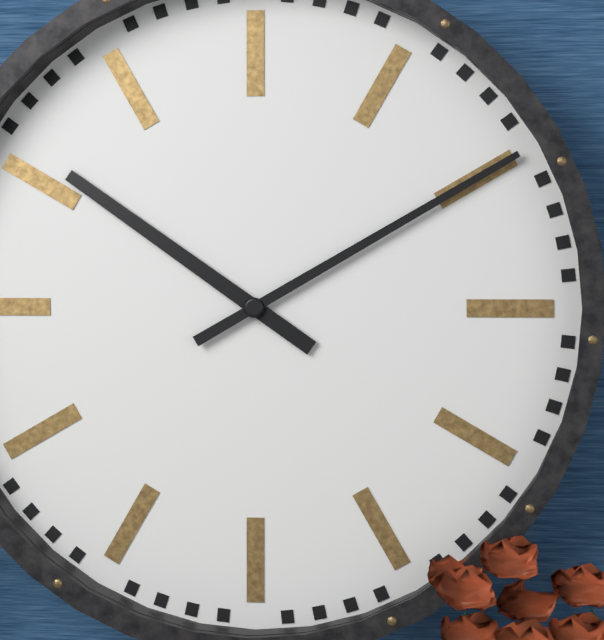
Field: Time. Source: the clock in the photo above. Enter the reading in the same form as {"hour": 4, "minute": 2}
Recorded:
{"hour": 10, "minute": 10}
